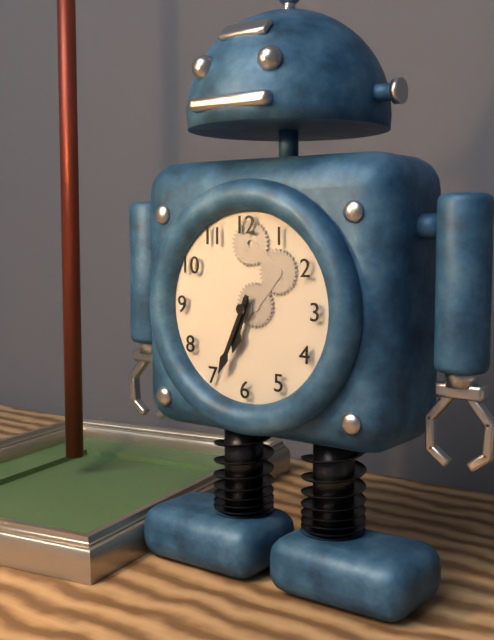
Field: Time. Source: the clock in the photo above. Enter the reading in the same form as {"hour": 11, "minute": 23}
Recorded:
{"hour": 6, "minute": 34}
